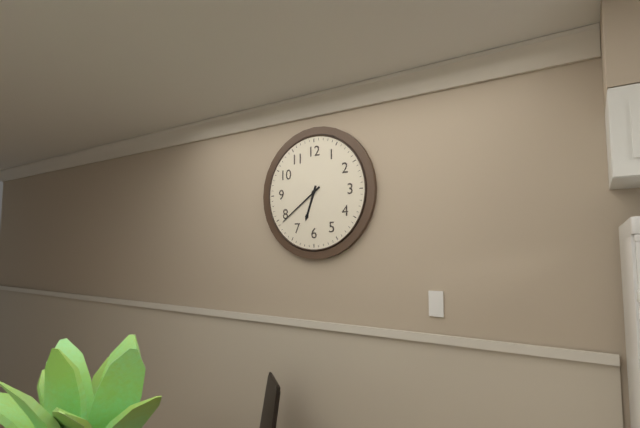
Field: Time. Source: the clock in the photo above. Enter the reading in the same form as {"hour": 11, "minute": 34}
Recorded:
{"hour": 6, "minute": 39}
